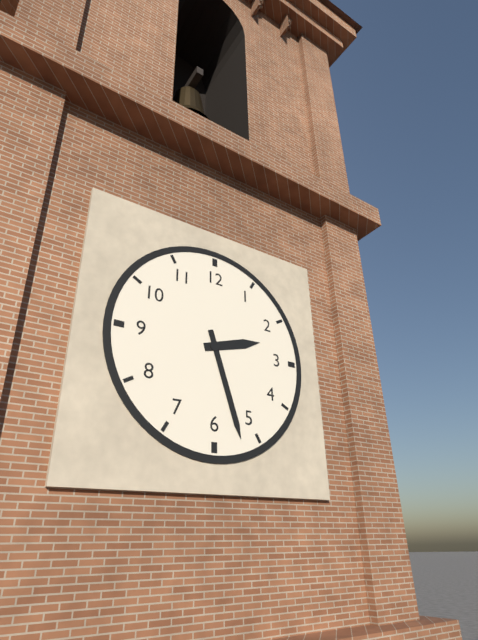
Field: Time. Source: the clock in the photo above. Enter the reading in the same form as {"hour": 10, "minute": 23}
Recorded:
{"hour": 2, "minute": 27}
